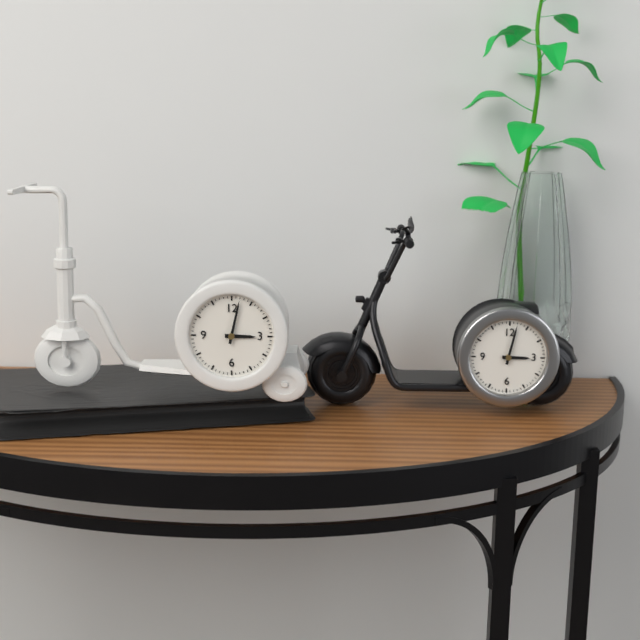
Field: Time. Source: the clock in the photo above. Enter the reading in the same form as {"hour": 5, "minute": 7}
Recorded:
{"hour": 3, "minute": 2}
